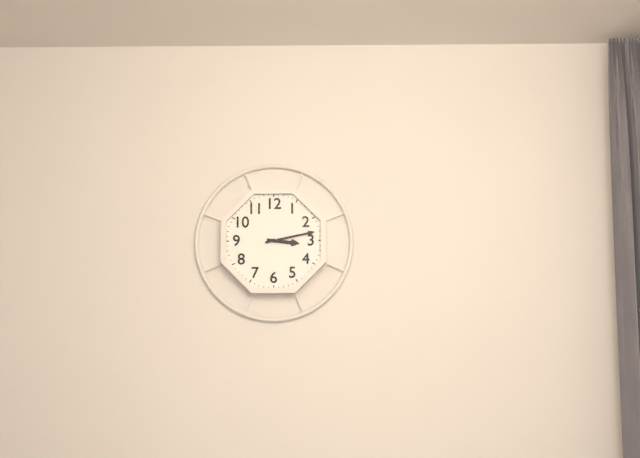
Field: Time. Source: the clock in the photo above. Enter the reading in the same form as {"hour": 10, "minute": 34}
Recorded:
{"hour": 3, "minute": 13}
